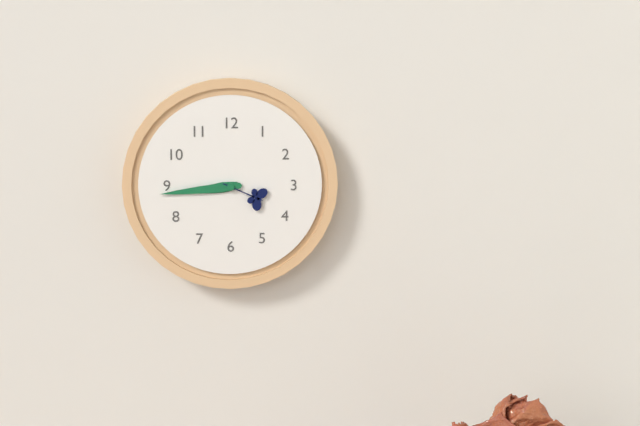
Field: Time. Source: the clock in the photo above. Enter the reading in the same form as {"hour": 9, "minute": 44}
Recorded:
{"hour": 8, "minute": 44}
